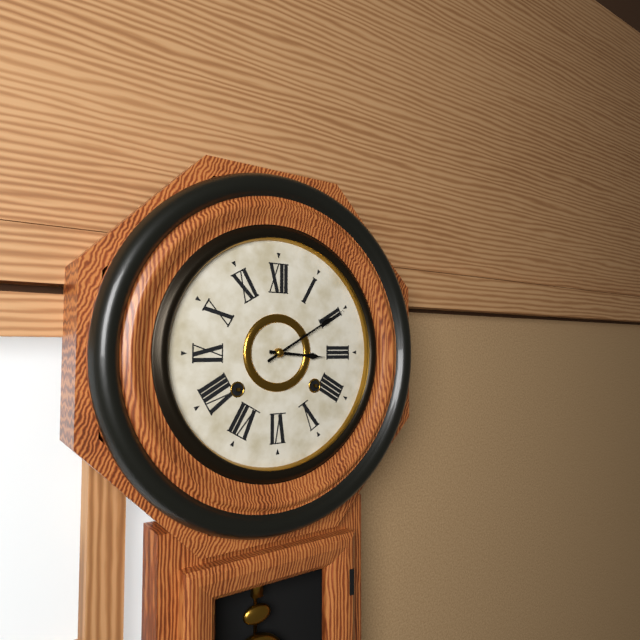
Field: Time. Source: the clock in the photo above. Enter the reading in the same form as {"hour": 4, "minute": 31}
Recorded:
{"hour": 3, "minute": 10}
